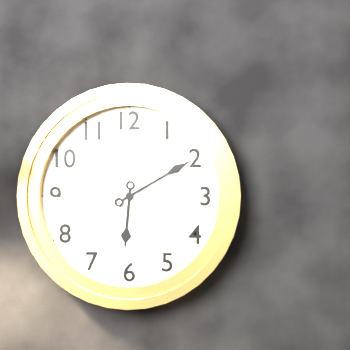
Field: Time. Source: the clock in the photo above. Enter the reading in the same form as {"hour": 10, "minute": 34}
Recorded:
{"hour": 6, "minute": 10}
